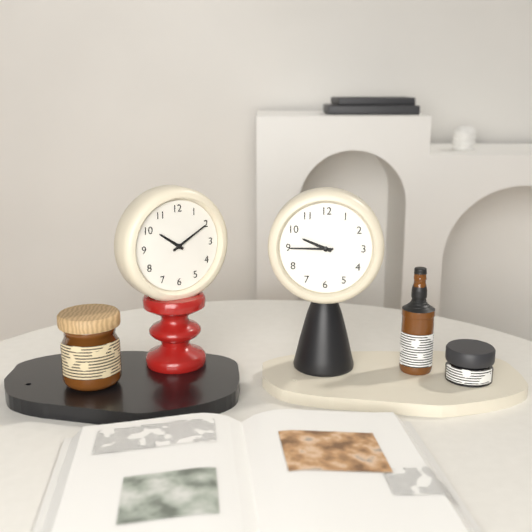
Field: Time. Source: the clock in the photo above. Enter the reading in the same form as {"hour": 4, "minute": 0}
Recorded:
{"hour": 9, "minute": 45}
